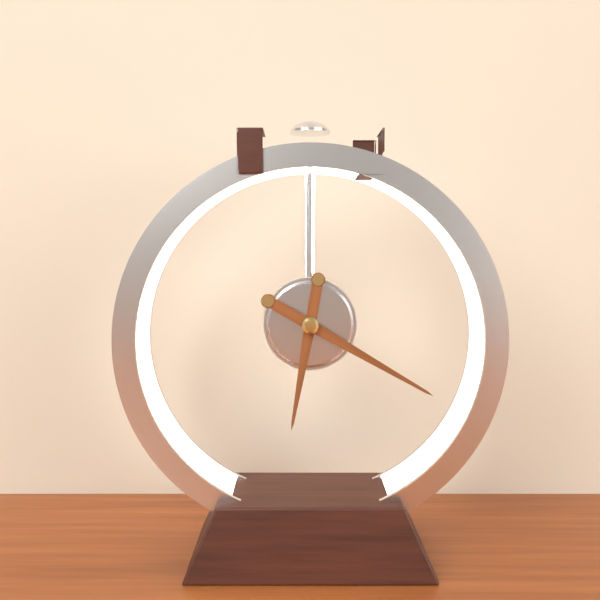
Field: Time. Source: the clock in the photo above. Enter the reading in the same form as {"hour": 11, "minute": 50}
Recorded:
{"hour": 6, "minute": 20}
